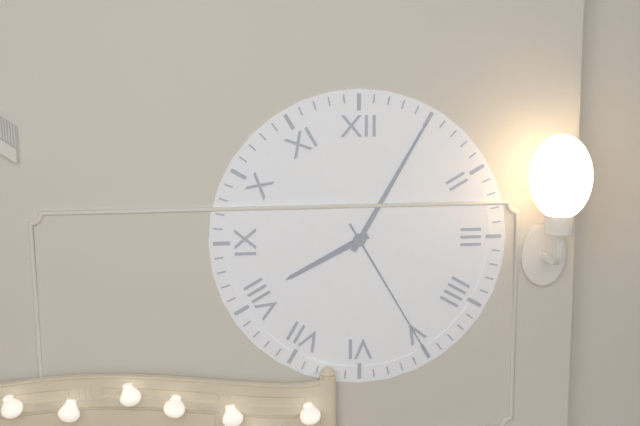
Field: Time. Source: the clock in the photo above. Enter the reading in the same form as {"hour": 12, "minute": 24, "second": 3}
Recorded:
{"hour": 8, "minute": 5, "second": 25}
